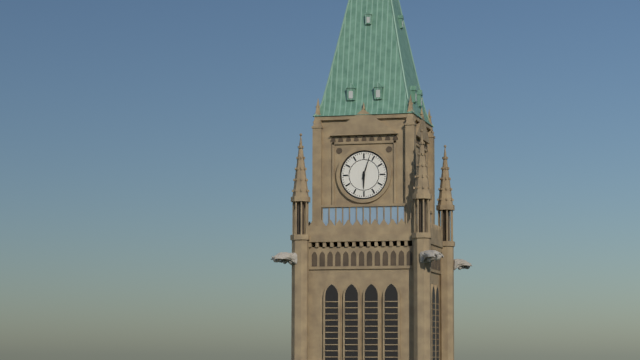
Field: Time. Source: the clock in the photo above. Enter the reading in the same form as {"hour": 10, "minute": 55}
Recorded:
{"hour": 6, "minute": 3}
